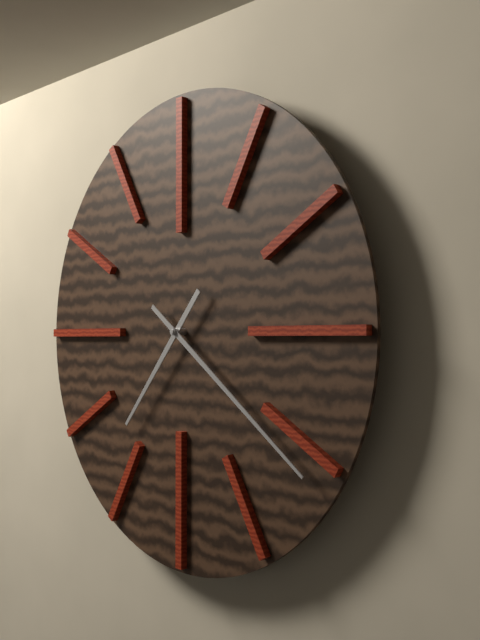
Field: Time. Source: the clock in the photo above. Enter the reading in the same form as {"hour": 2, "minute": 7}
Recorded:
{"hour": 7, "minute": 21}
